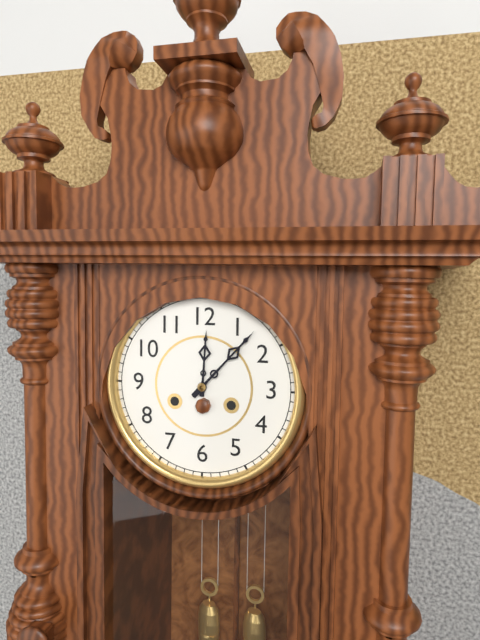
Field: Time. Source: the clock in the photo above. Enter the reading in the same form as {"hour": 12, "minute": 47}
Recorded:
{"hour": 12, "minute": 7}
